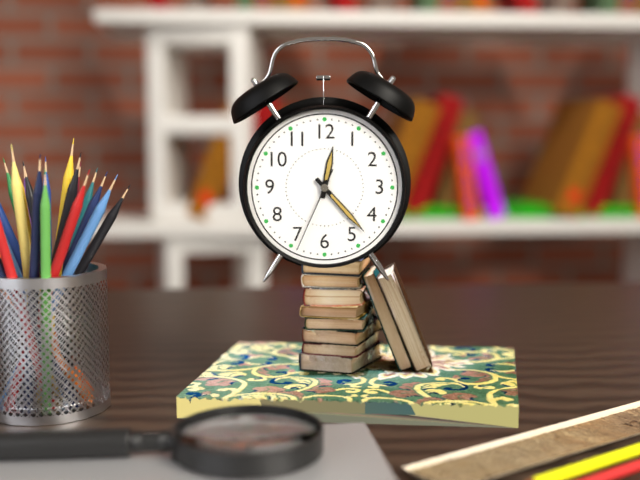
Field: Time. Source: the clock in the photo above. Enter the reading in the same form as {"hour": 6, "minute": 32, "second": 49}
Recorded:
{"hour": 12, "minute": 23, "second": 34}
